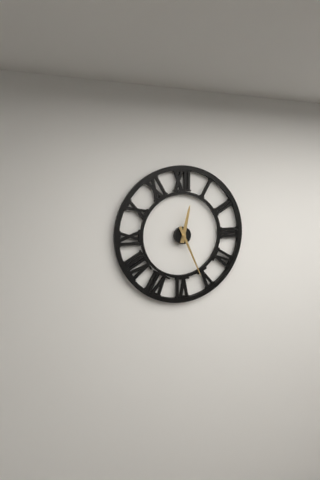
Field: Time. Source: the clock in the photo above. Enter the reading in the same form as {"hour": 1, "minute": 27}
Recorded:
{"hour": 12, "minute": 26}
